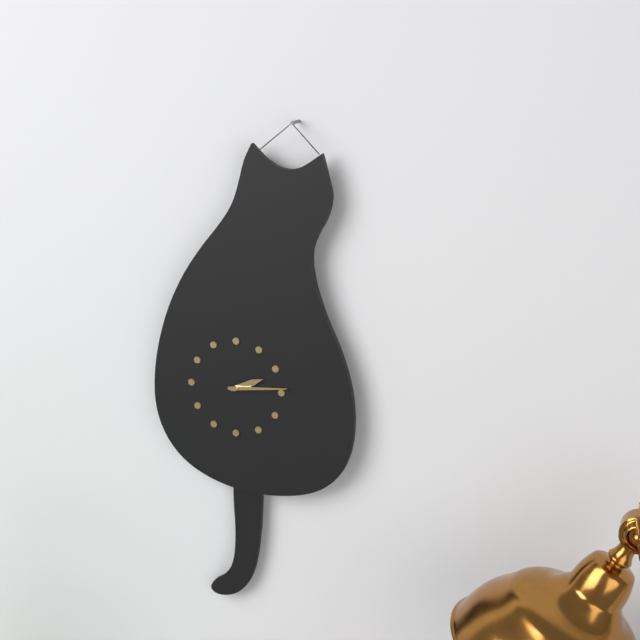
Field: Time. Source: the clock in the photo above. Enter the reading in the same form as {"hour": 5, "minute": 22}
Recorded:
{"hour": 2, "minute": 14}
